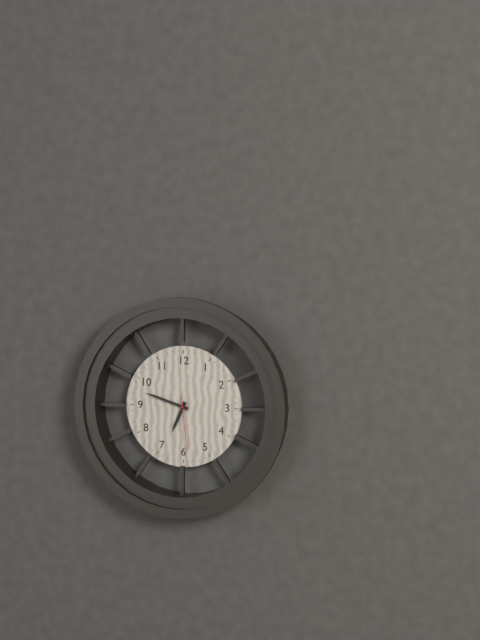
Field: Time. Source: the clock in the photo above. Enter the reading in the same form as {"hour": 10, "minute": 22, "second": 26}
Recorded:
{"hour": 6, "minute": 48, "second": 29}
